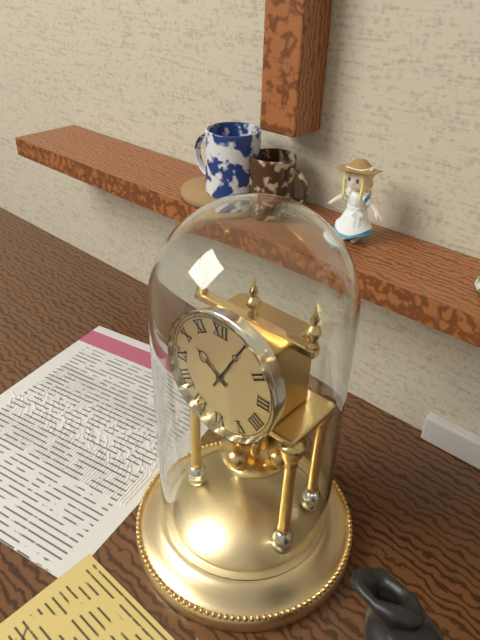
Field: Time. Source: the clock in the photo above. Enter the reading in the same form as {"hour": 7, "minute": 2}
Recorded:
{"hour": 10, "minute": 5}
